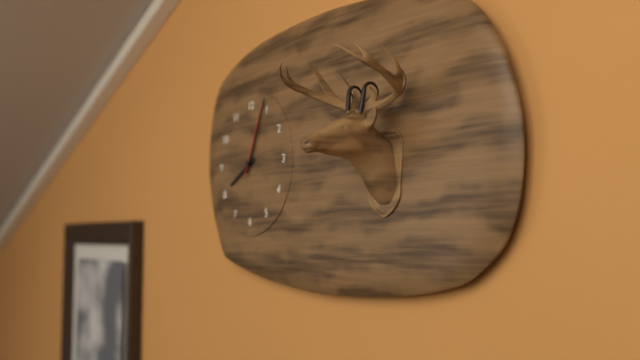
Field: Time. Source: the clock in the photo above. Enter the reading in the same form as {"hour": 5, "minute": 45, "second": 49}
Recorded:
{"hour": 8, "minute": 4, "second": 4}
